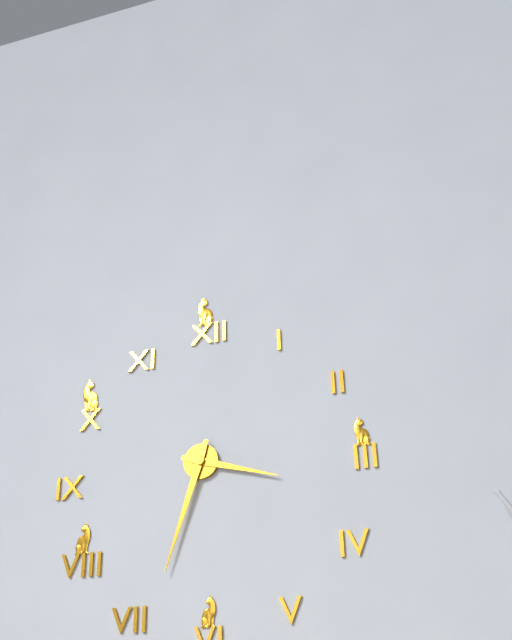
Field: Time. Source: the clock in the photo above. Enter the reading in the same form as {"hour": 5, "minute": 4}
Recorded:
{"hour": 3, "minute": 33}
